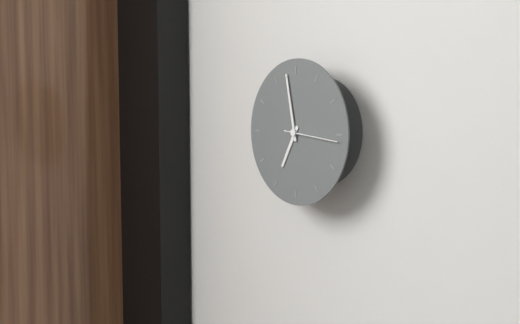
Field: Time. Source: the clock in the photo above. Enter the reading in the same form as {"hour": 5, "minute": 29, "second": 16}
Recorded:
{"hour": 6, "minute": 58, "second": 16}
